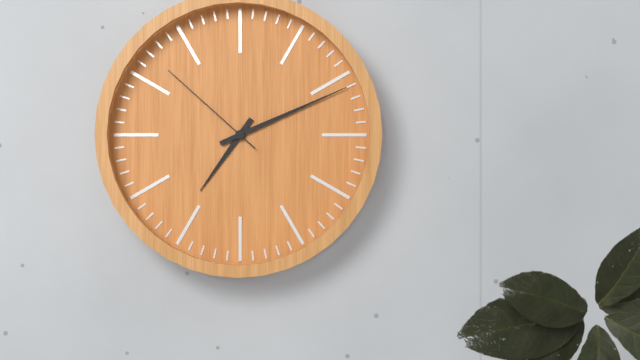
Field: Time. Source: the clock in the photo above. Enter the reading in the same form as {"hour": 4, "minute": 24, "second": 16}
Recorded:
{"hour": 7, "minute": 11, "second": 52}
